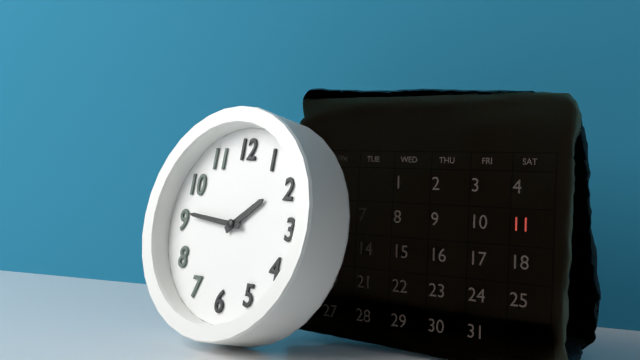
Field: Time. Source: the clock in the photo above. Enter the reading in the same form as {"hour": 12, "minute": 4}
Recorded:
{"hour": 1, "minute": 46}
